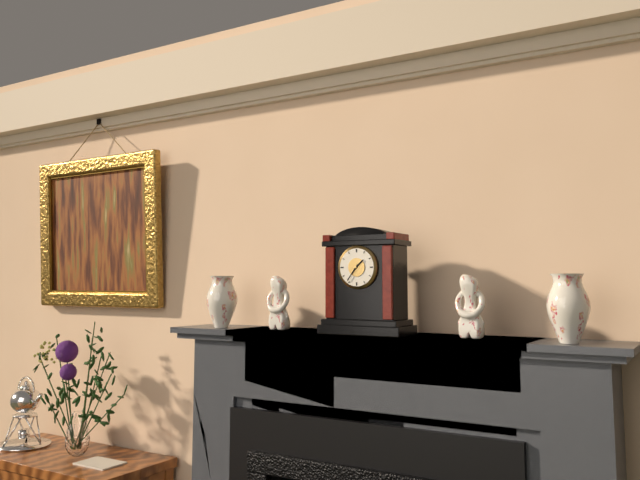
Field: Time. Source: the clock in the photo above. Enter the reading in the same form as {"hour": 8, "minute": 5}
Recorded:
{"hour": 1, "minute": 36}
